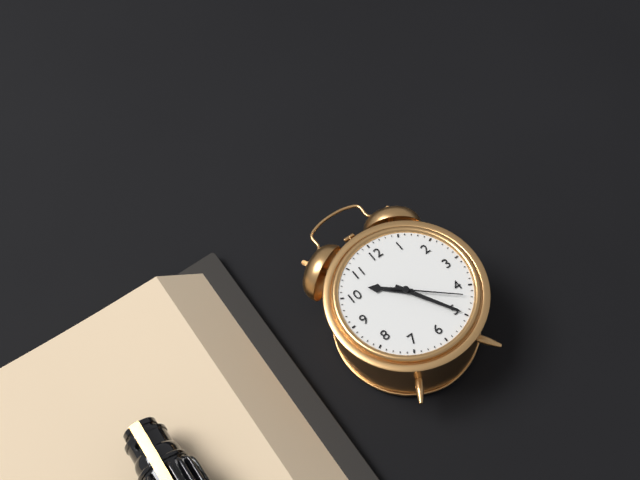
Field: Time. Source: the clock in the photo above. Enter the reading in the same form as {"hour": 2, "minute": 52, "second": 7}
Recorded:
{"hour": 10, "minute": 25, "second": 22}
